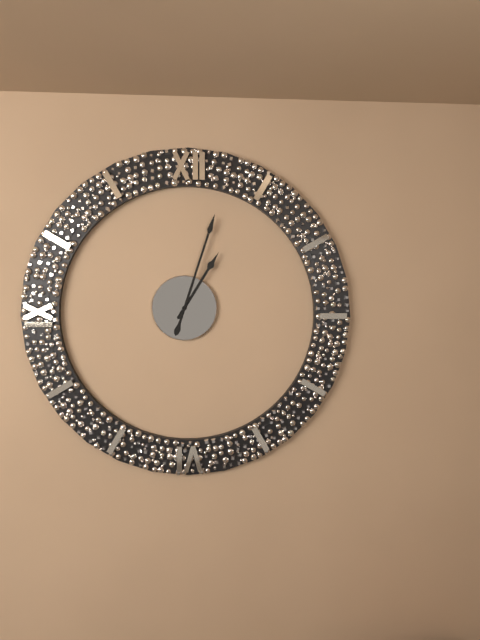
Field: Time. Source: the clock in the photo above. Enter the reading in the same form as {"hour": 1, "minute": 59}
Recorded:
{"hour": 1, "minute": 3}
